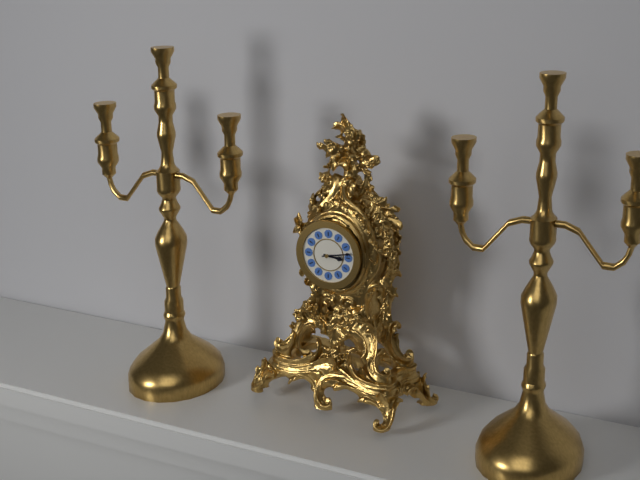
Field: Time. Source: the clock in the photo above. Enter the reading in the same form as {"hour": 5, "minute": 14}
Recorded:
{"hour": 3, "minute": 13}
